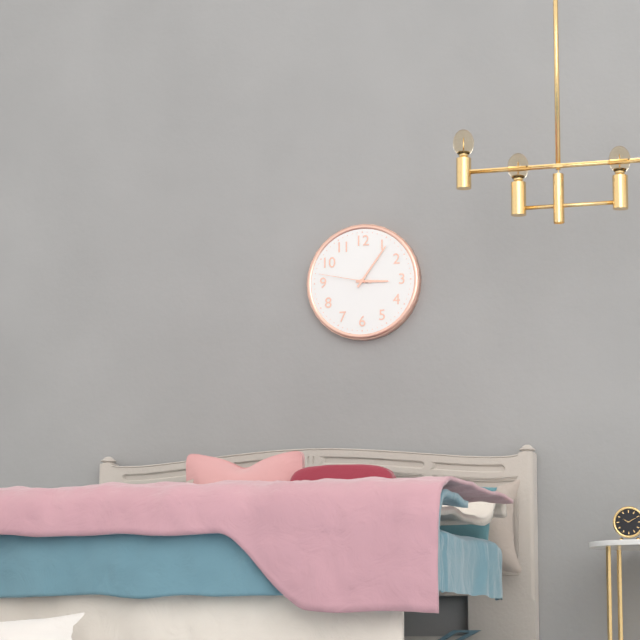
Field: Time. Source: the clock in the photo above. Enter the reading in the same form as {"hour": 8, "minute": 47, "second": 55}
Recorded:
{"hour": 3, "minute": 6, "second": 47}
